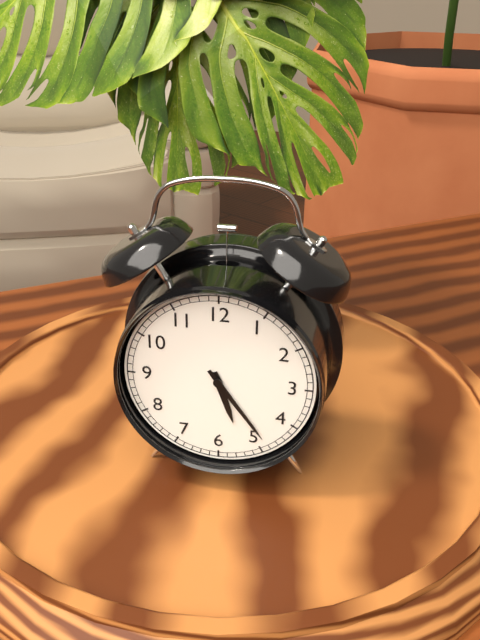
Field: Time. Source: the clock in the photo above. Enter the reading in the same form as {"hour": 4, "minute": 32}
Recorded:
{"hour": 5, "minute": 24}
